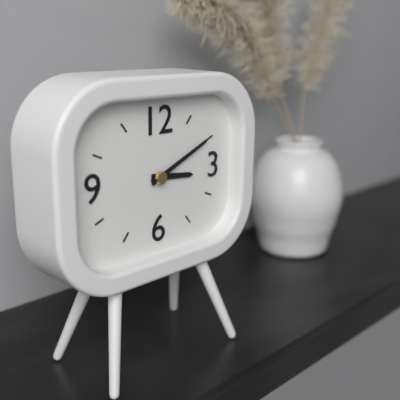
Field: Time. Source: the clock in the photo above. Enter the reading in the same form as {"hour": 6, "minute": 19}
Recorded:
{"hour": 3, "minute": 11}
